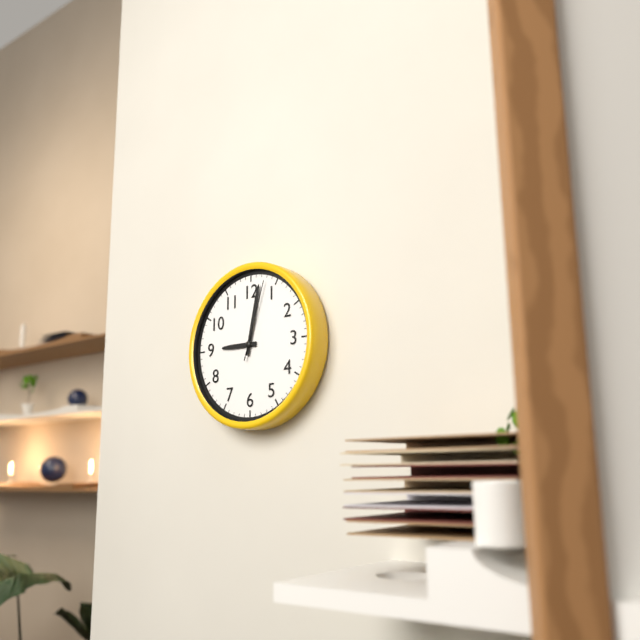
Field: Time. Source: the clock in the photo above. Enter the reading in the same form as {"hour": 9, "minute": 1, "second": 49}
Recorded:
{"hour": 9, "minute": 2, "second": 3}
